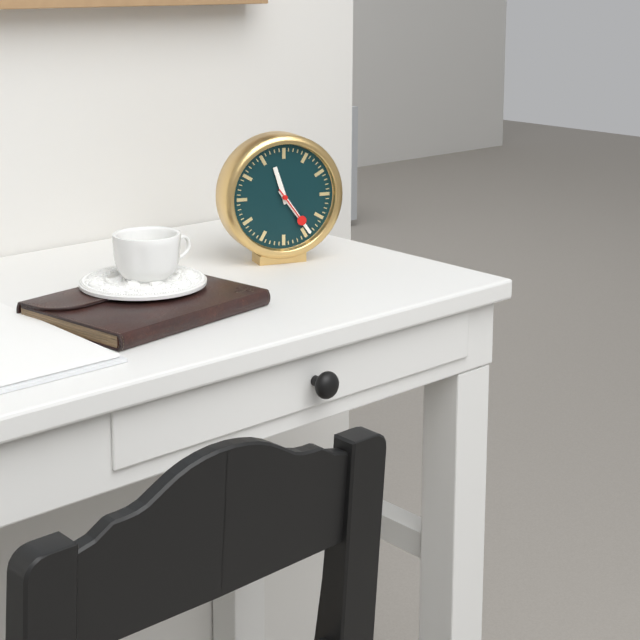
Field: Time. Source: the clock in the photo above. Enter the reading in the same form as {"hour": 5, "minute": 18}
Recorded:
{"hour": 11, "minute": 24}
